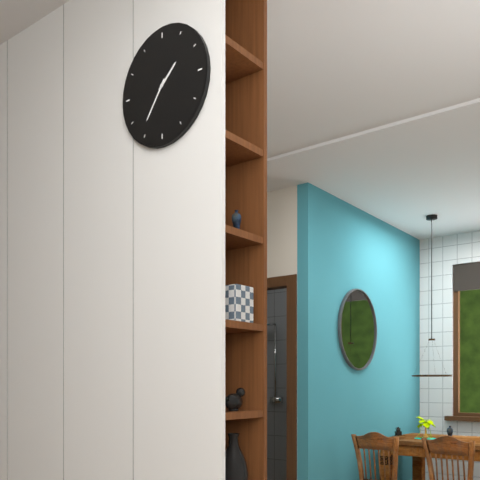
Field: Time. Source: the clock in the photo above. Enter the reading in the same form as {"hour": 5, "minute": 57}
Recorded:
{"hour": 1, "minute": 36}
